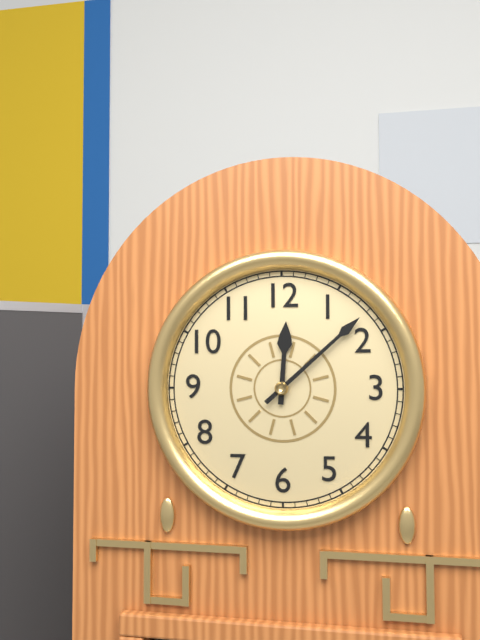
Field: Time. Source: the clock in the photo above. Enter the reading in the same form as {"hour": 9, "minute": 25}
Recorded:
{"hour": 12, "minute": 8}
